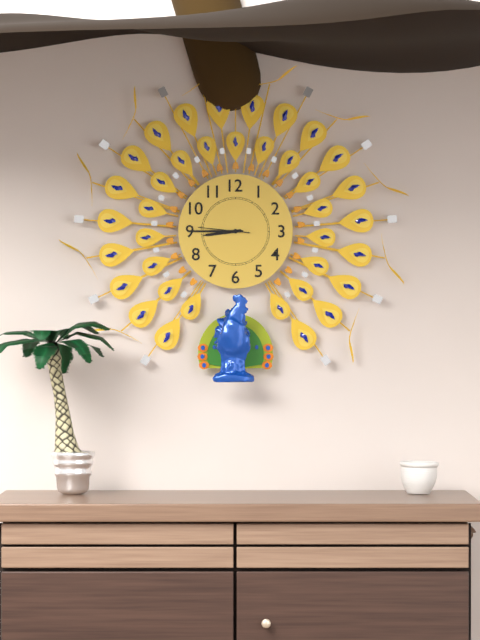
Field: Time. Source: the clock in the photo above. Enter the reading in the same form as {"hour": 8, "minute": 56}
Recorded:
{"hour": 8, "minute": 45}
